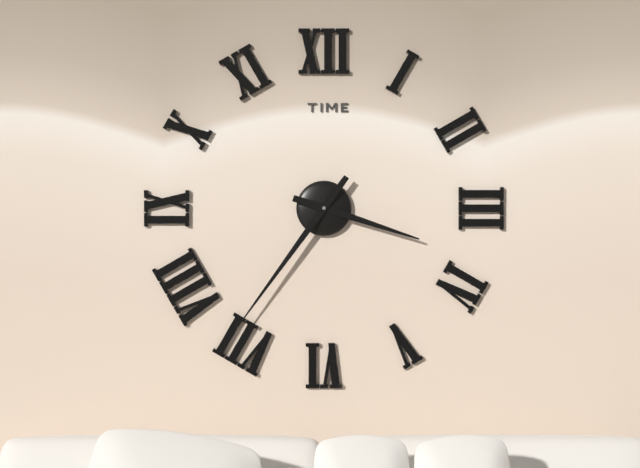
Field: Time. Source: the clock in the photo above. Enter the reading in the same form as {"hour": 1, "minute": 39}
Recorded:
{"hour": 3, "minute": 36}
